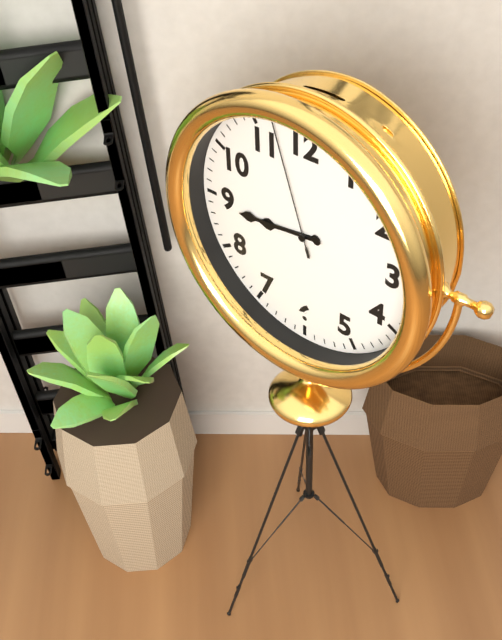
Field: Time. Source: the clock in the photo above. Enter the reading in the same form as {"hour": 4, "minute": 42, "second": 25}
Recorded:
{"hour": 8, "minute": 44, "second": 57}
